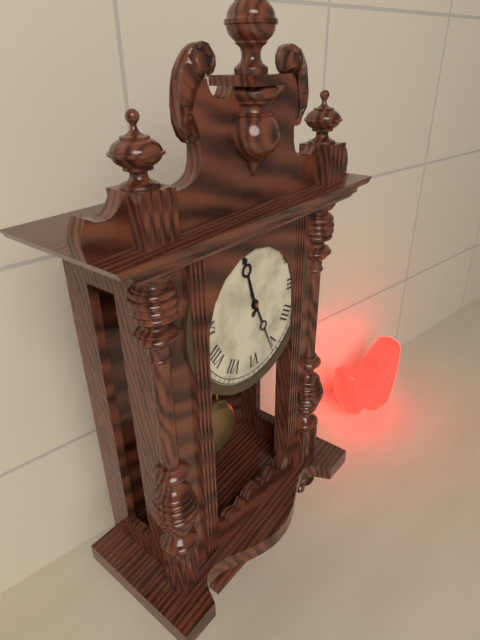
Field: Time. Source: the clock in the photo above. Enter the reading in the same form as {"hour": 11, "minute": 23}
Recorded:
{"hour": 11, "minute": 26}
